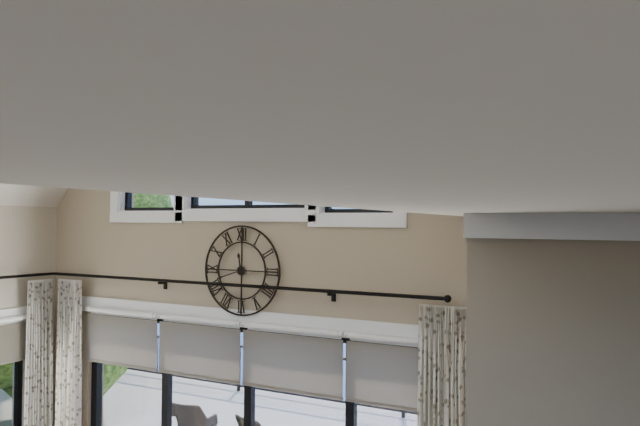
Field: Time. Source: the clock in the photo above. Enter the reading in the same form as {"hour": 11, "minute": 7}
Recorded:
{"hour": 11, "minute": 42}
